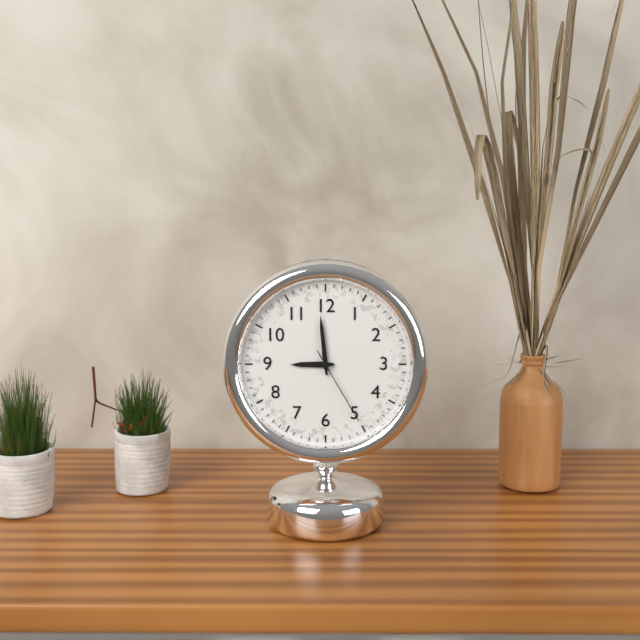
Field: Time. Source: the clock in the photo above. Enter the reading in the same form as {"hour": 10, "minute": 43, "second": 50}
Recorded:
{"hour": 8, "minute": 59, "second": 25}
